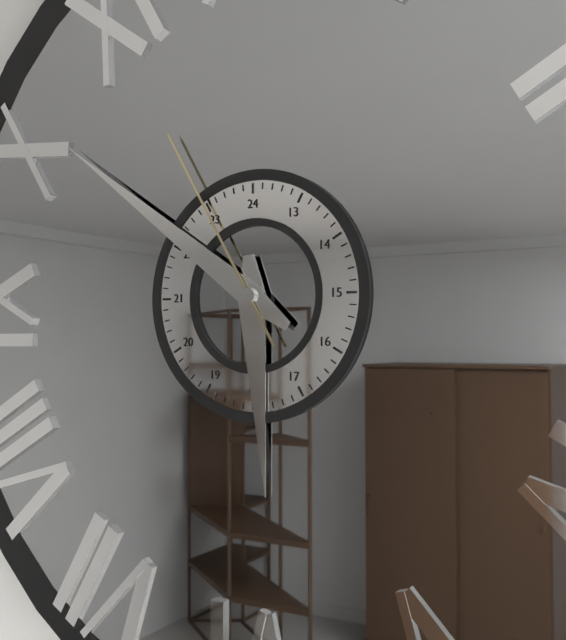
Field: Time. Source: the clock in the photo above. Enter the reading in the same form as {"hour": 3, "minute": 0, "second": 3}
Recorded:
{"hour": 5, "minute": 51, "second": 55}
